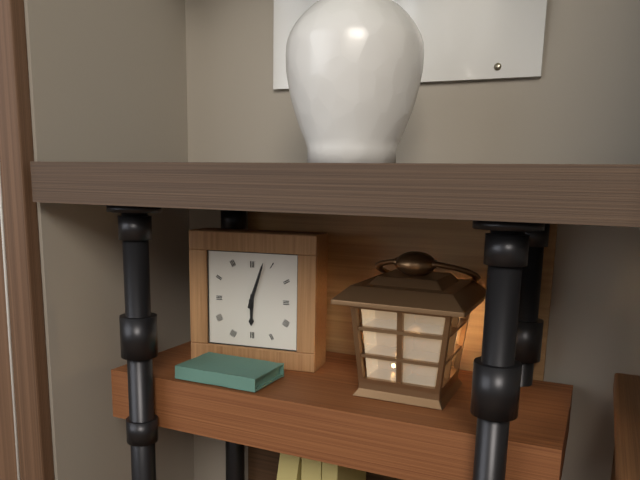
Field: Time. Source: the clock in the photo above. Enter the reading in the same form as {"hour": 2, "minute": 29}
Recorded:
{"hour": 6, "minute": 3}
